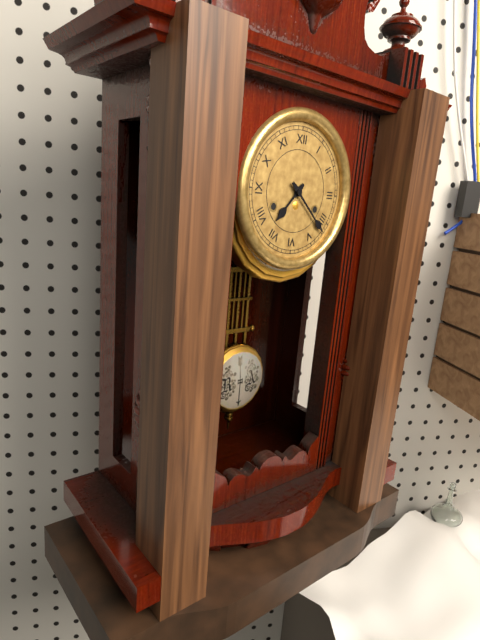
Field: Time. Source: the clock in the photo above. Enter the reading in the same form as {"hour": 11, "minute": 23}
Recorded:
{"hour": 7, "minute": 22}
